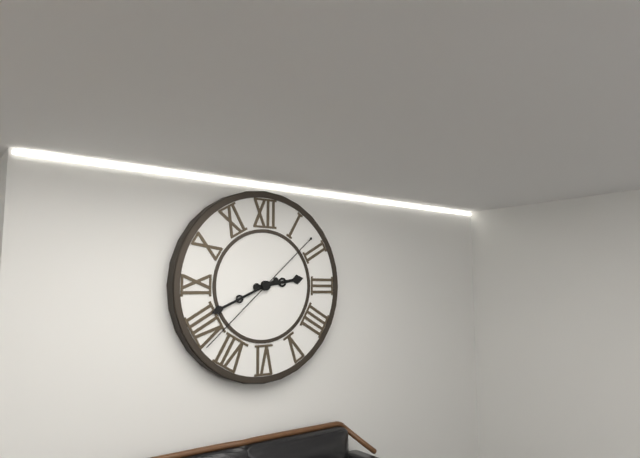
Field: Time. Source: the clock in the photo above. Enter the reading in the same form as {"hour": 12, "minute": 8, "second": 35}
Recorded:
{"hour": 2, "minute": 41, "second": 38}
